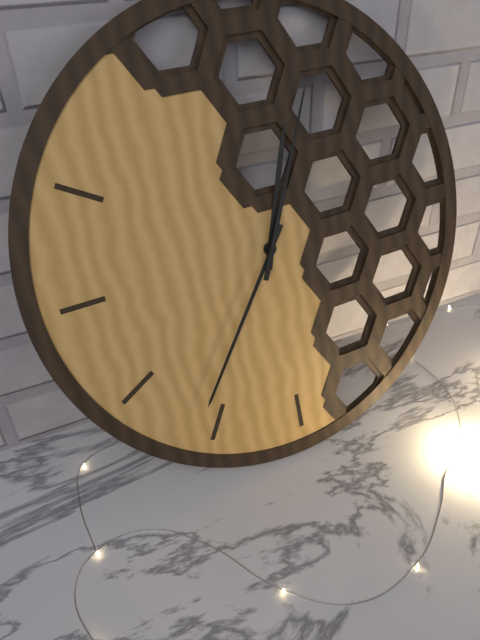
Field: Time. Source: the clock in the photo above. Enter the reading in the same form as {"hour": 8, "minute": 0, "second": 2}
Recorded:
{"hour": 12, "minute": 36, "second": 4}
